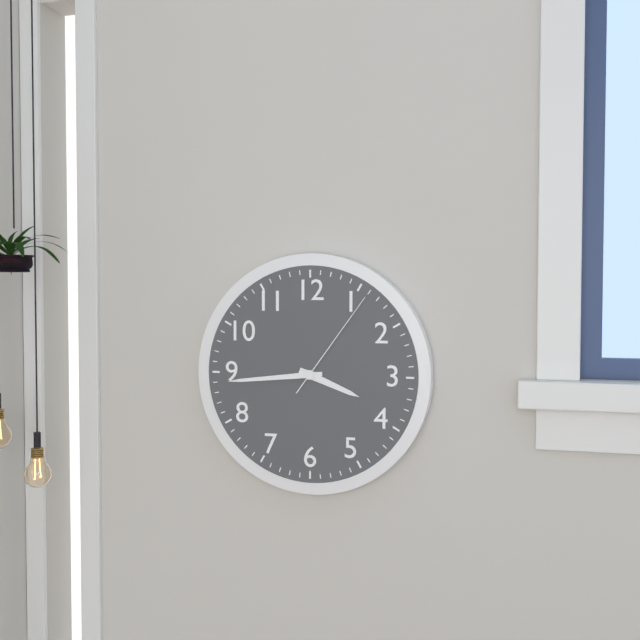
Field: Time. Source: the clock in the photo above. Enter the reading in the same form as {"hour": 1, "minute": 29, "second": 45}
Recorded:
{"hour": 3, "minute": 44, "second": 6}
